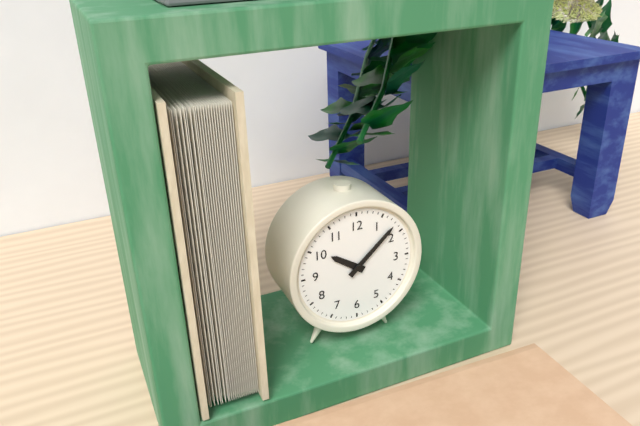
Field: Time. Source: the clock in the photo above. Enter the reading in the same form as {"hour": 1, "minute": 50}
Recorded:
{"hour": 10, "minute": 8}
